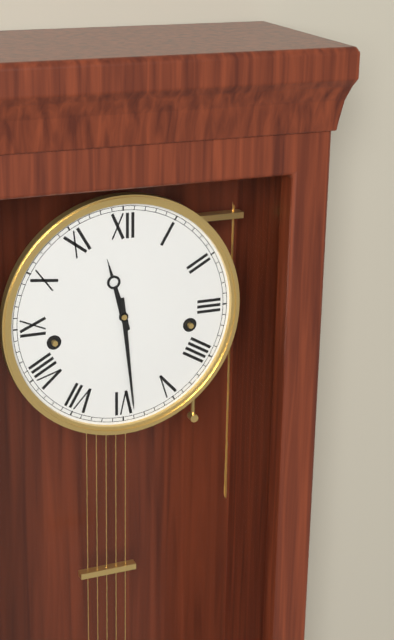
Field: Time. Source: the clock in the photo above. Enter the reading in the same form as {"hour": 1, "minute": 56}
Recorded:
{"hour": 11, "minute": 29}
